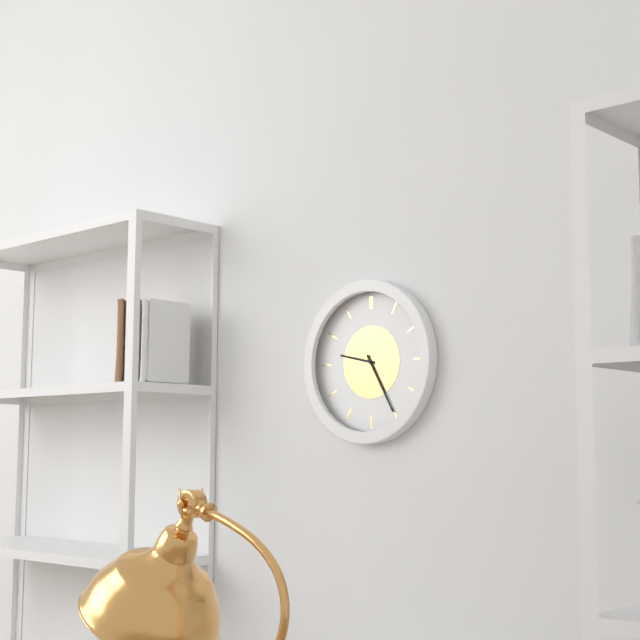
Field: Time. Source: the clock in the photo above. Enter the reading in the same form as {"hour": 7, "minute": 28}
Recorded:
{"hour": 9, "minute": 25}
